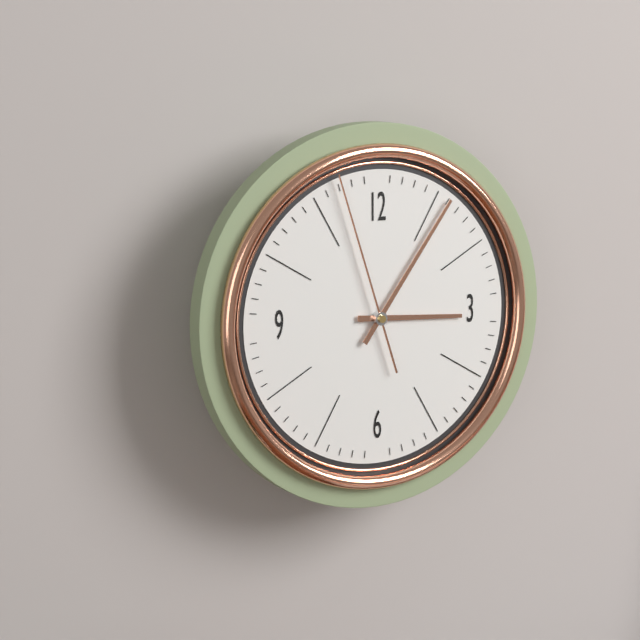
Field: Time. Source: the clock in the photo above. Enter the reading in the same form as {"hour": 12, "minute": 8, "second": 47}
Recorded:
{"hour": 3, "minute": 6, "second": 57}
